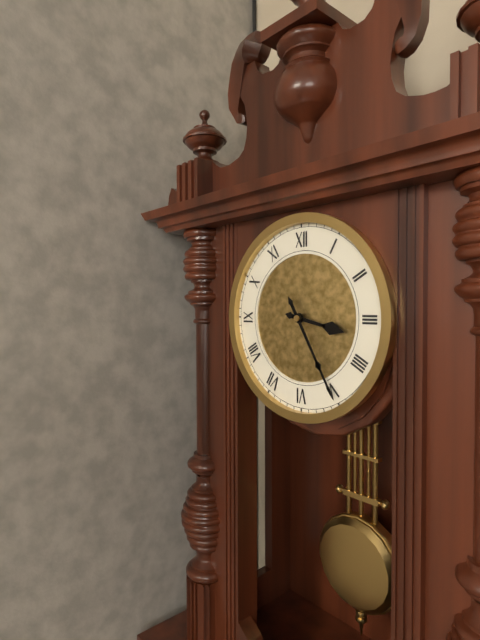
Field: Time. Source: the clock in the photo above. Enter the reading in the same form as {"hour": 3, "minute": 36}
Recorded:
{"hour": 3, "minute": 25}
